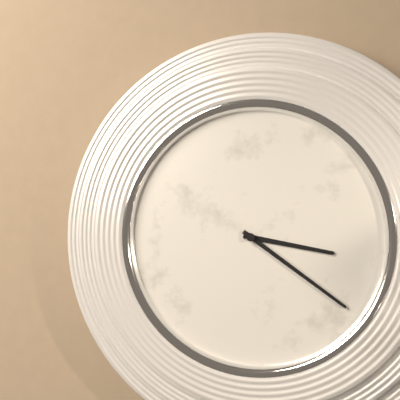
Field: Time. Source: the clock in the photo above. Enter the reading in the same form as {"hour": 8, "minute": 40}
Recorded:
{"hour": 3, "minute": 21}
